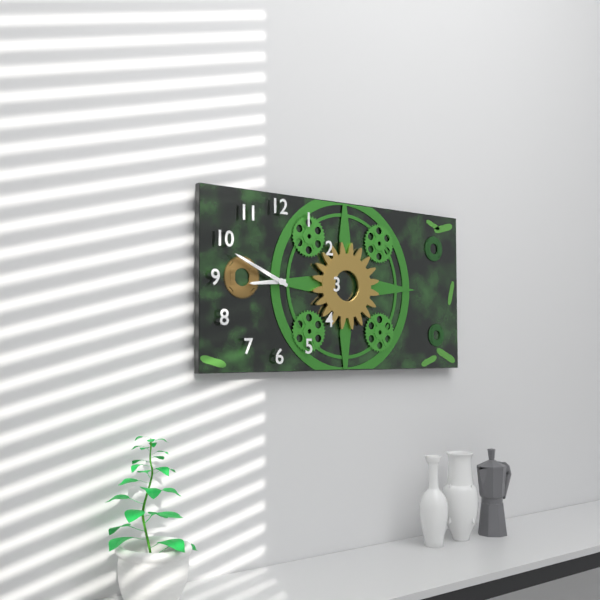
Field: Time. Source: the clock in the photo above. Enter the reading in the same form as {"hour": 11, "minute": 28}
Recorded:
{"hour": 8, "minute": 49}
